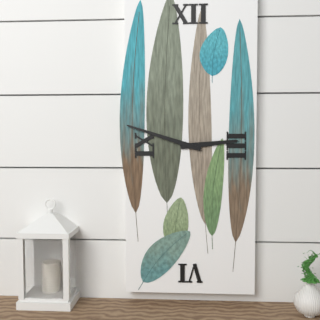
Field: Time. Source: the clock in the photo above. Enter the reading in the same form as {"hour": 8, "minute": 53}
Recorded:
{"hour": 2, "minute": 48}
